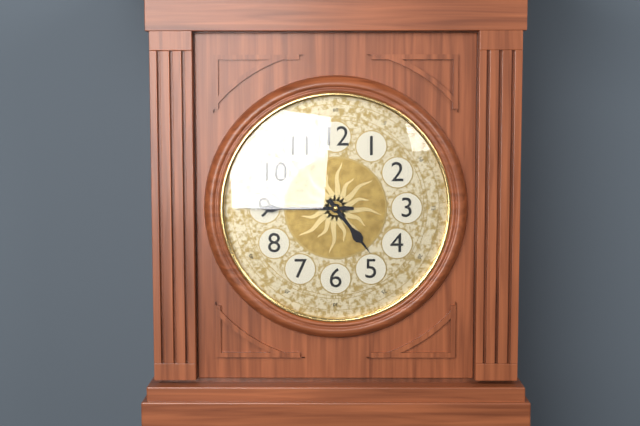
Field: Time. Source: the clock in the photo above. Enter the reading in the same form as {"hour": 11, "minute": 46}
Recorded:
{"hour": 4, "minute": 45}
